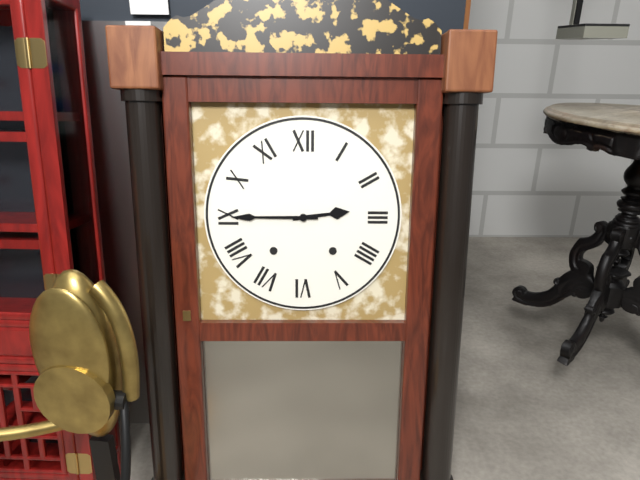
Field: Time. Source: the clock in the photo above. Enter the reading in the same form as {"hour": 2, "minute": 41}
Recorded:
{"hour": 2, "minute": 45}
